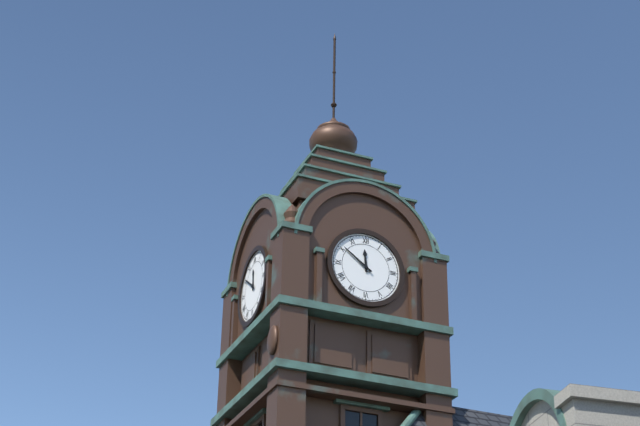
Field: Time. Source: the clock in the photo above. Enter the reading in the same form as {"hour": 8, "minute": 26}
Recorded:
{"hour": 11, "minute": 51}
